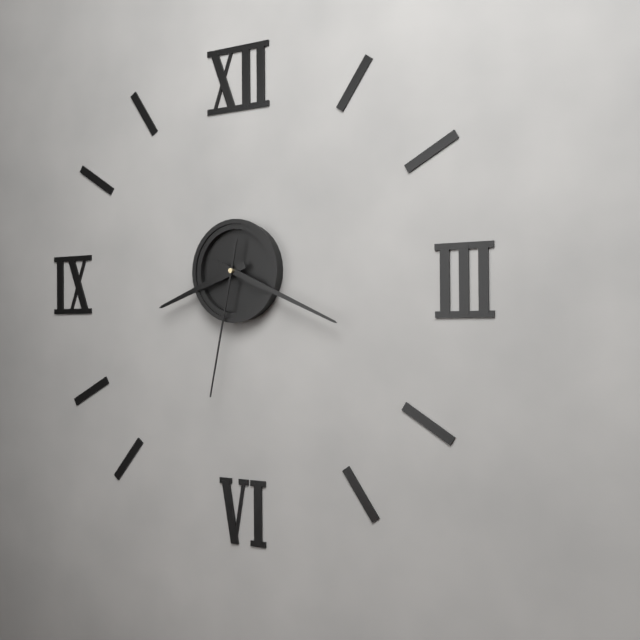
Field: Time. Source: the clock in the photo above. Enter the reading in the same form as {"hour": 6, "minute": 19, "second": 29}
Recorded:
{"hour": 8, "minute": 19, "second": 32}
